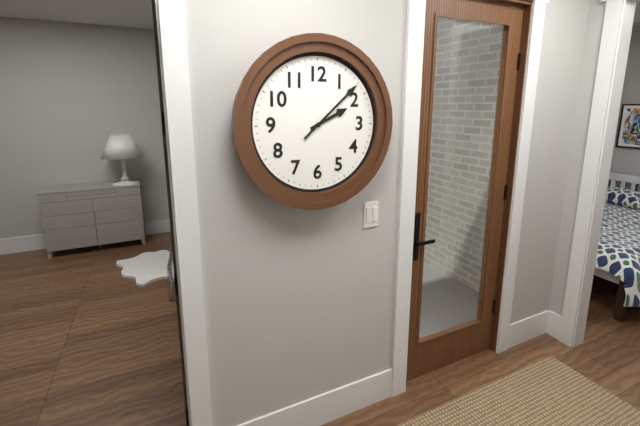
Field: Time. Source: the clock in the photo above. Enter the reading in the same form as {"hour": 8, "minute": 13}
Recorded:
{"hour": 2, "minute": 8}
